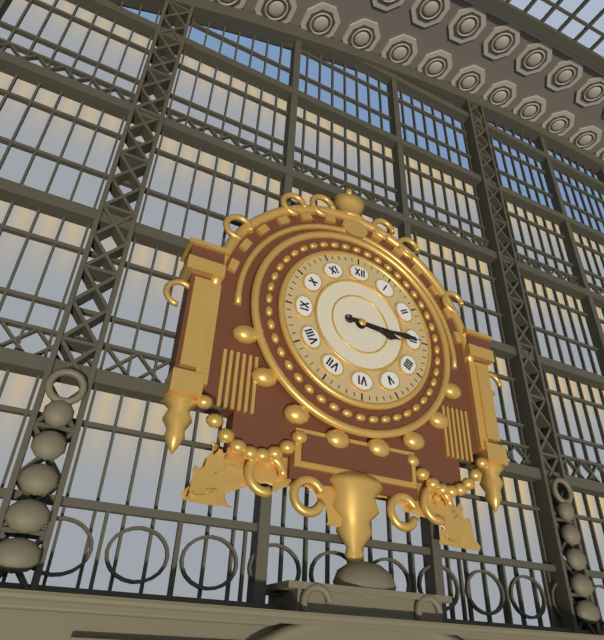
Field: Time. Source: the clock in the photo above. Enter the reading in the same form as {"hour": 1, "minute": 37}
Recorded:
{"hour": 3, "minute": 15}
